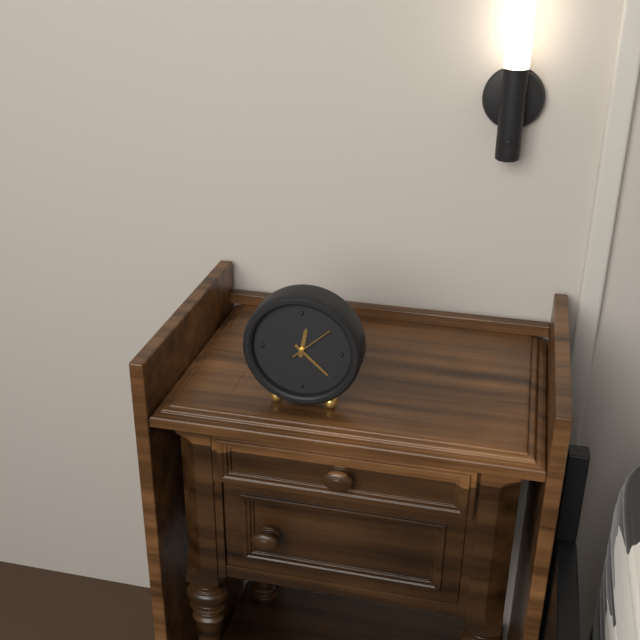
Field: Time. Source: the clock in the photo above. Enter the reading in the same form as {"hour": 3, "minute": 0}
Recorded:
{"hour": 12, "minute": 22}
